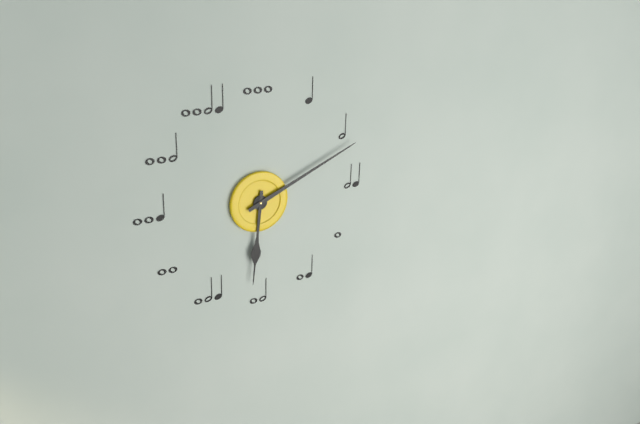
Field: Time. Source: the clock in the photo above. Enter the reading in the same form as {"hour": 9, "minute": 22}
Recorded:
{"hour": 6, "minute": 11}
